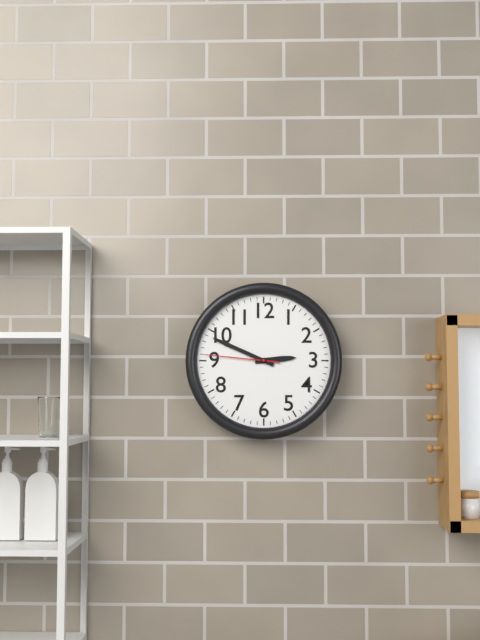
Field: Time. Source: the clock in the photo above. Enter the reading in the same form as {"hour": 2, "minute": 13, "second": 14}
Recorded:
{"hour": 2, "minute": 49, "second": 46}
